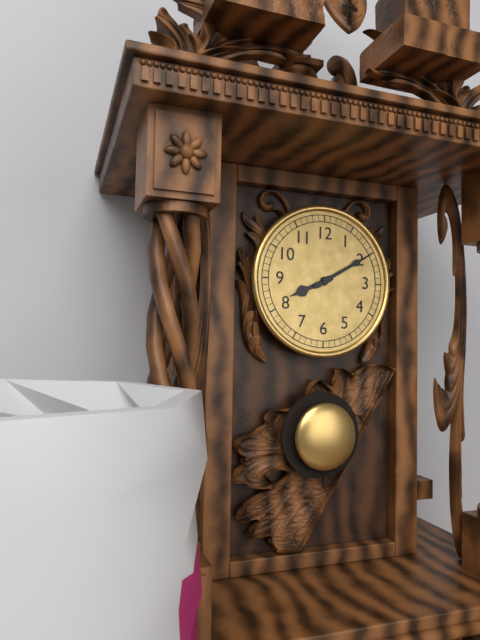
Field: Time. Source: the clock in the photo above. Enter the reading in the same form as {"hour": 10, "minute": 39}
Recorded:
{"hour": 8, "minute": 10}
